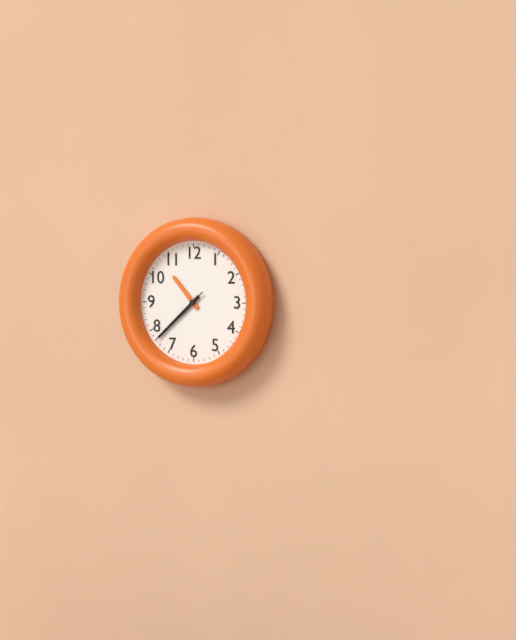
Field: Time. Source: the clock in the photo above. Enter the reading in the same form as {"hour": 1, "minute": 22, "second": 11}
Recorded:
{"hour": 10, "minute": 38, "second": 38}
